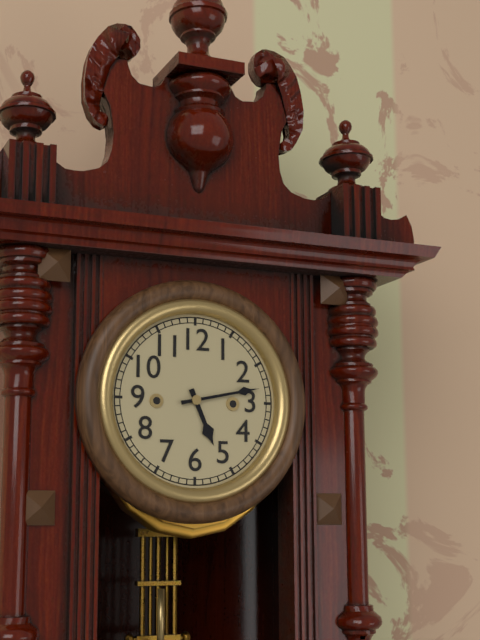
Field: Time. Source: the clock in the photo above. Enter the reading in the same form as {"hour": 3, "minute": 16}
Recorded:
{"hour": 5, "minute": 13}
